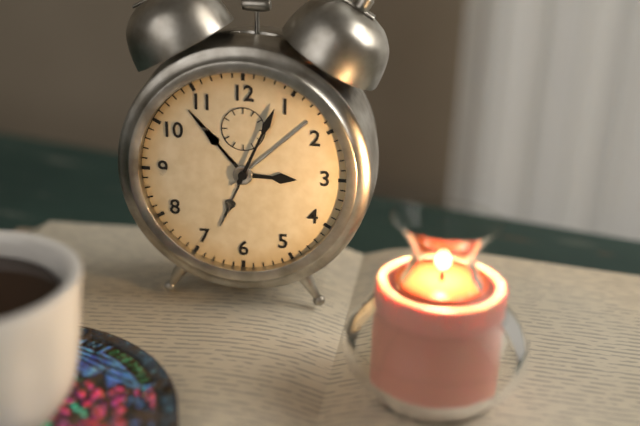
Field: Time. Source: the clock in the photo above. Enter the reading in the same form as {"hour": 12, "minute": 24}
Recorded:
{"hour": 3, "minute": 4}
